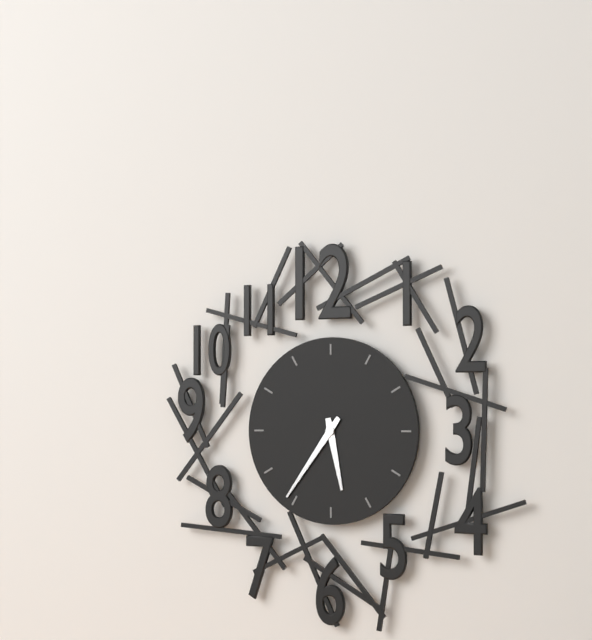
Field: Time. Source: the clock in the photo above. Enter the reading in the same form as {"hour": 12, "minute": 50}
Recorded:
{"hour": 5, "minute": 36}
